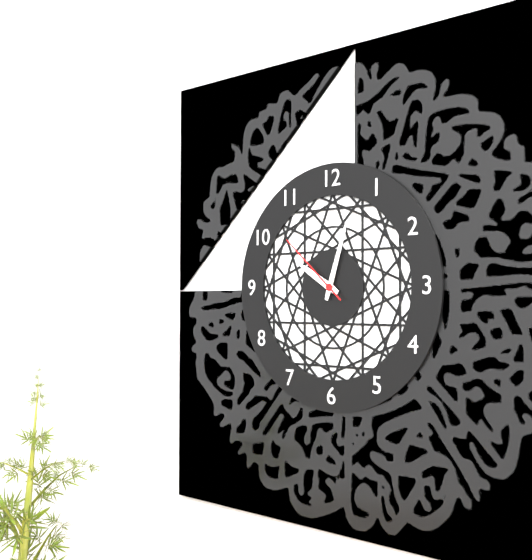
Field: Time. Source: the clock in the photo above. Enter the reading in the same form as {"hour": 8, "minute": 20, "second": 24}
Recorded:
{"hour": 10, "minute": 3, "second": 52}
